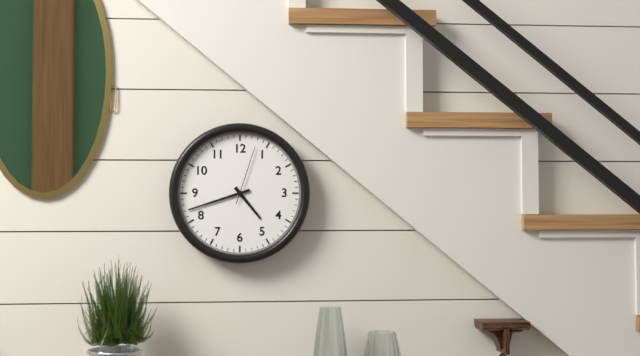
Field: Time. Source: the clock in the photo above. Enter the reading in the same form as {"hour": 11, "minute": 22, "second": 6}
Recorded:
{"hour": 4, "minute": 42, "second": 3}
